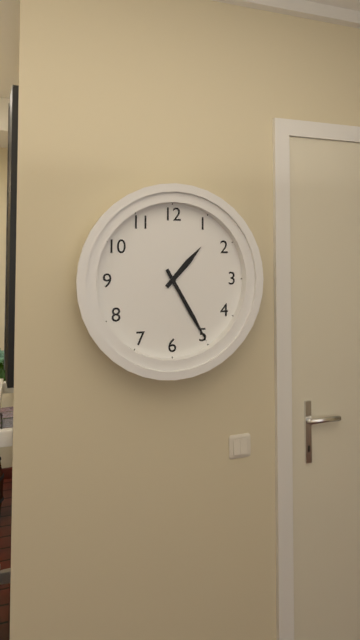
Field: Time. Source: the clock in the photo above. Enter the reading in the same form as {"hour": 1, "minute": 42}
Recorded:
{"hour": 1, "minute": 25}
